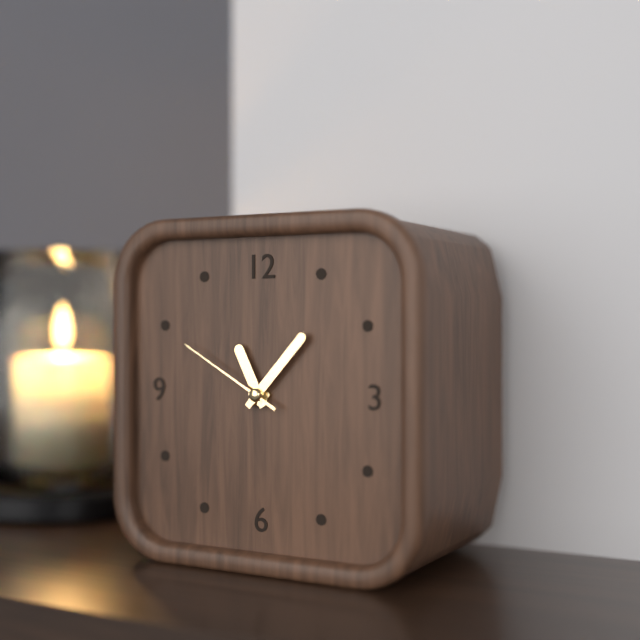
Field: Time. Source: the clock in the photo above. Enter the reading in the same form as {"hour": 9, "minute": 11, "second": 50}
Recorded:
{"hour": 11, "minute": 7, "second": 50}
